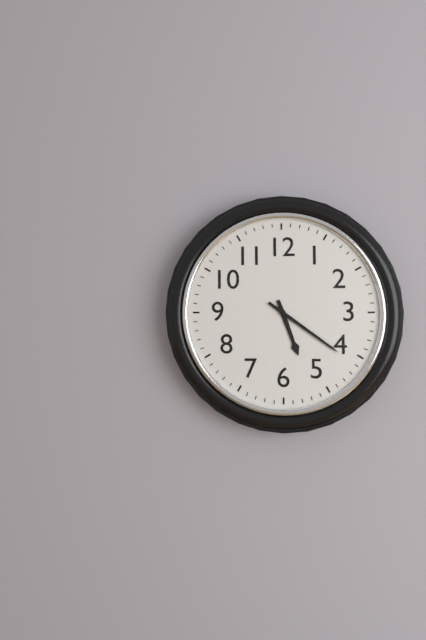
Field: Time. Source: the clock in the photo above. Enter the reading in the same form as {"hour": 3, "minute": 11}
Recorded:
{"hour": 5, "minute": 21}
